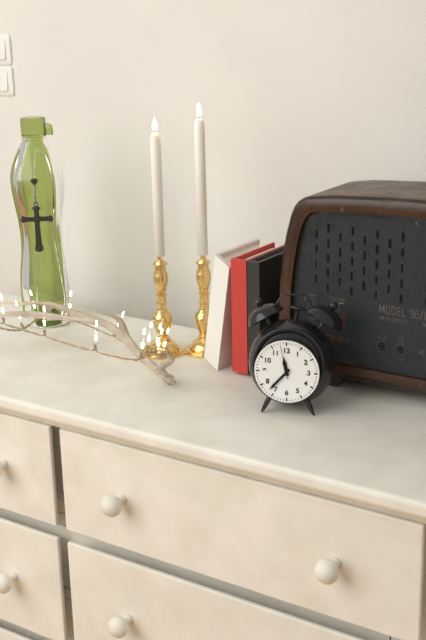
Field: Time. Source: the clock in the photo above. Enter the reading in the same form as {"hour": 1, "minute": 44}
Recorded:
{"hour": 11, "minute": 37}
